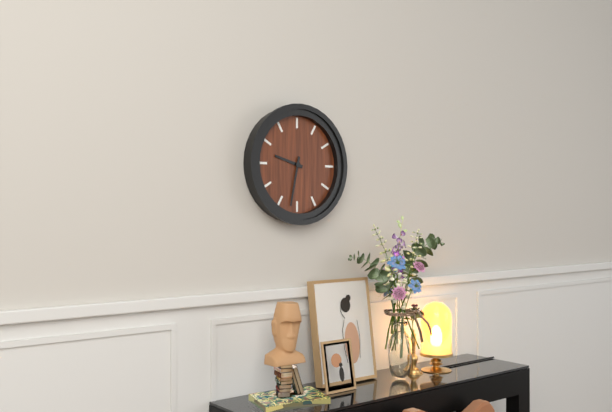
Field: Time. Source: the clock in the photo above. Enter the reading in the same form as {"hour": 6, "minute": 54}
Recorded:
{"hour": 9, "minute": 32}
